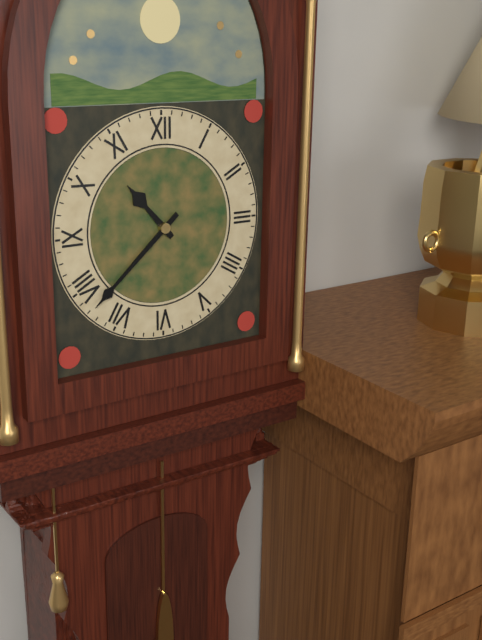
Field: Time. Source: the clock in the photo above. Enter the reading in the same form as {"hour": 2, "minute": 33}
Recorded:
{"hour": 10, "minute": 38}
